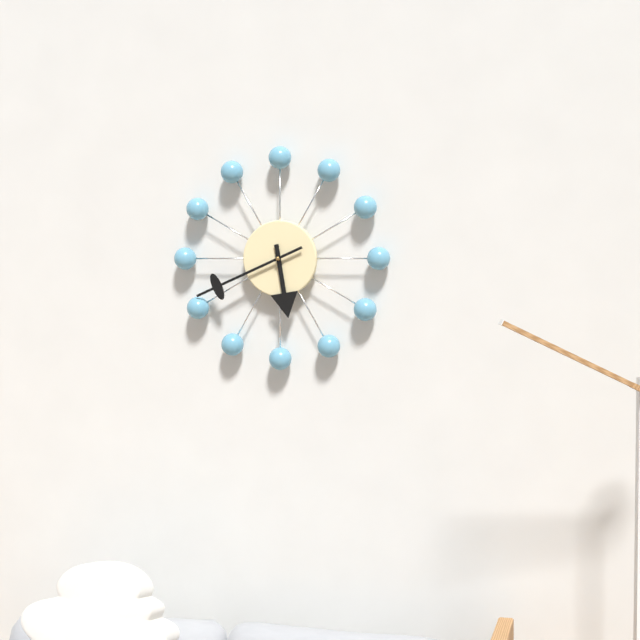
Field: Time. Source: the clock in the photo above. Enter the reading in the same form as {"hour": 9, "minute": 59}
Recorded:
{"hour": 5, "minute": 41}
